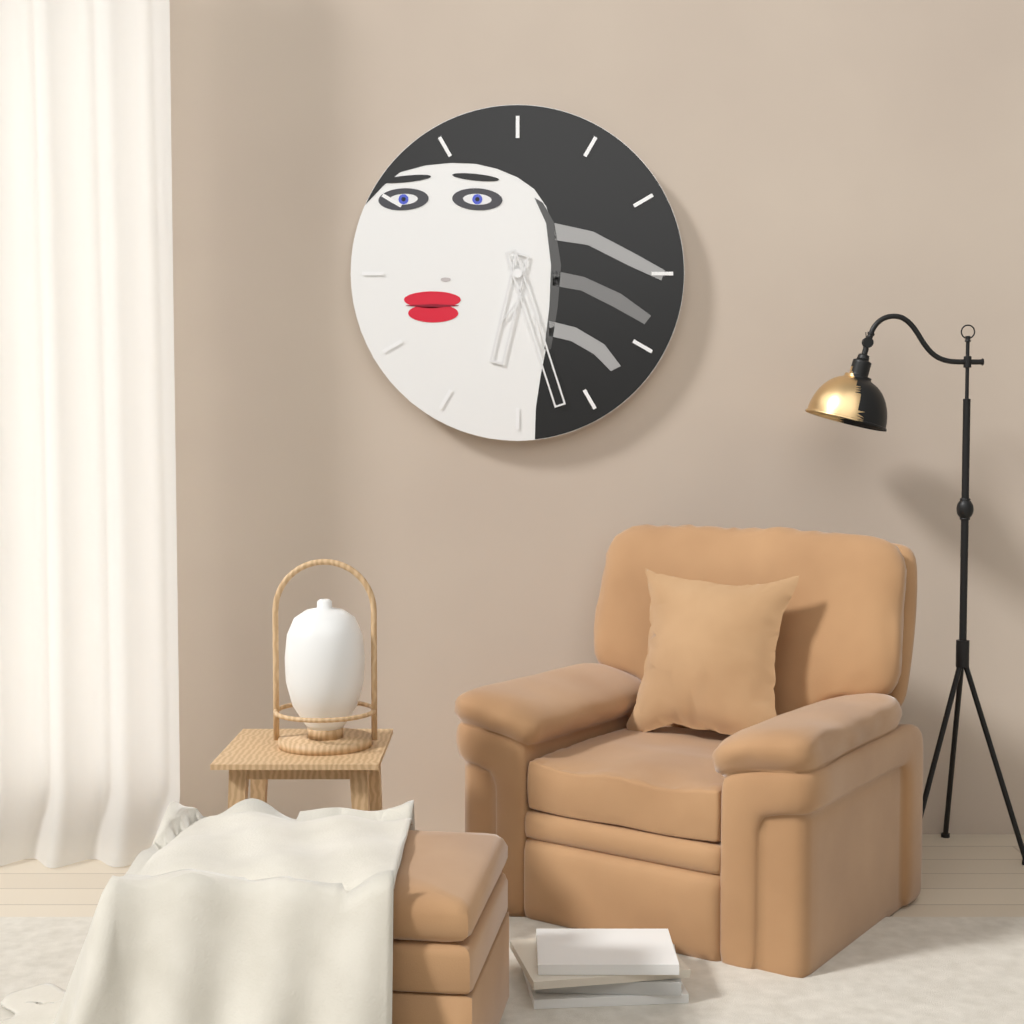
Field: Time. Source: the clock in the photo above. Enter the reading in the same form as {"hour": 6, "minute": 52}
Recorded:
{"hour": 6, "minute": 27}
